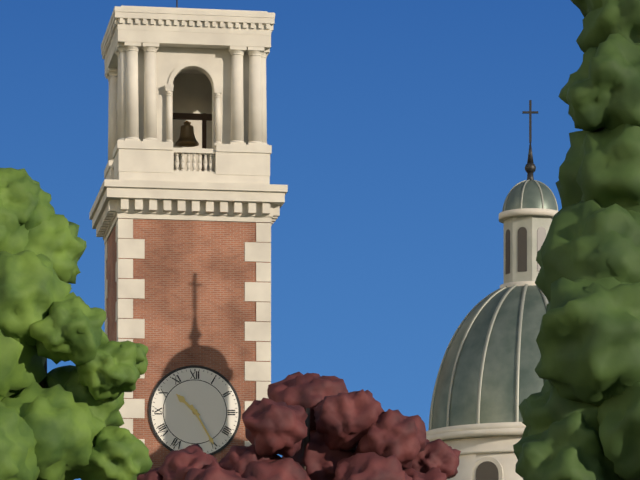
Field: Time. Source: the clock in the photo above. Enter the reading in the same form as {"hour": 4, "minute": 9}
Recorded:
{"hour": 10, "minute": 25}
